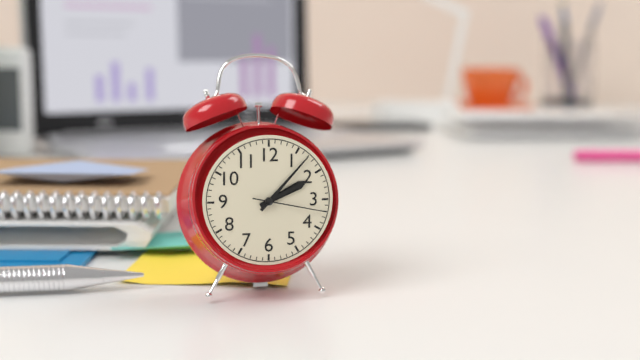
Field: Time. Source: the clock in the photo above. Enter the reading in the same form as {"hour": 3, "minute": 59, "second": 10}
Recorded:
{"hour": 2, "minute": 7, "second": 17}
